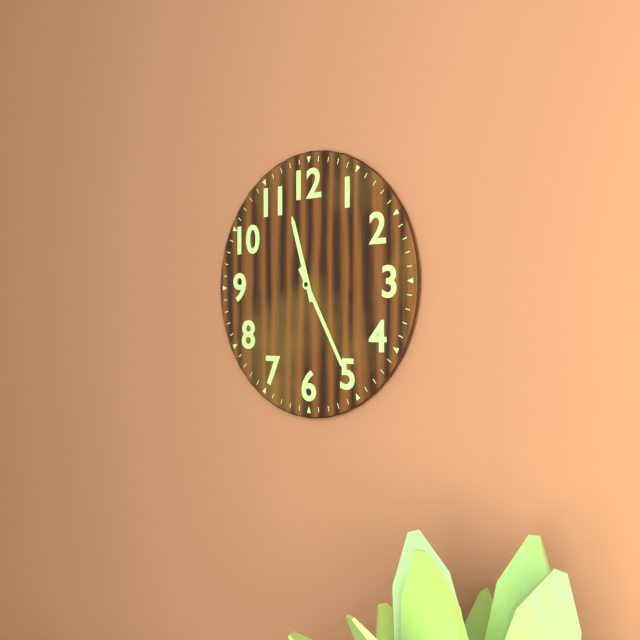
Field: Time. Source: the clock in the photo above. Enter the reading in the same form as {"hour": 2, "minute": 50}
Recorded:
{"hour": 11, "minute": 25}
